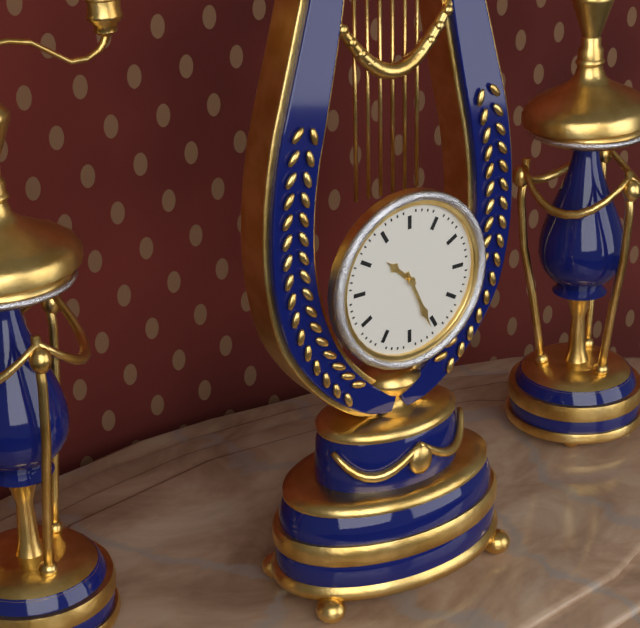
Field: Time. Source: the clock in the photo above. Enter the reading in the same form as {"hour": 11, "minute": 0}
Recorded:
{"hour": 10, "minute": 26}
